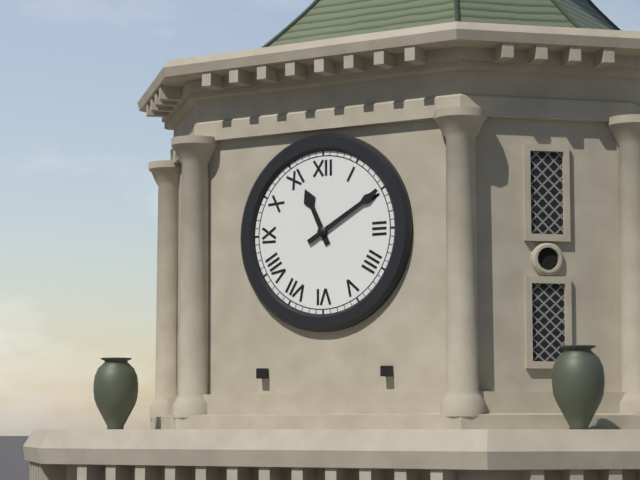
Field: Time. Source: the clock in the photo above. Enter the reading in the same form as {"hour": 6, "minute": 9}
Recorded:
{"hour": 11, "minute": 10}
